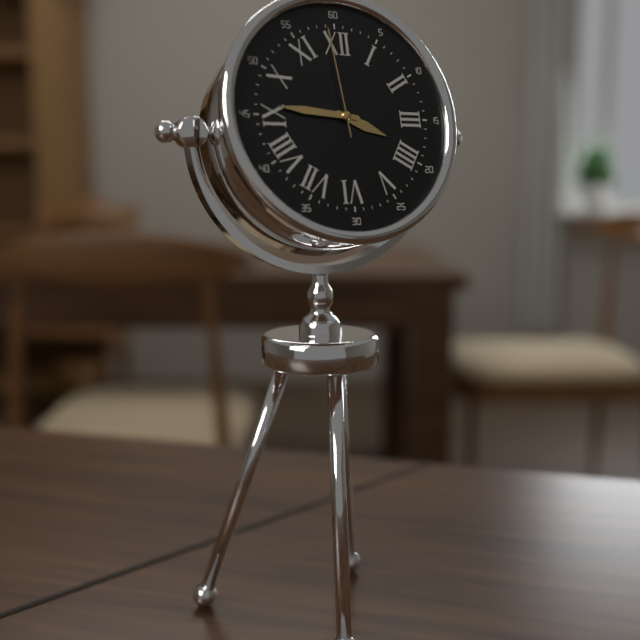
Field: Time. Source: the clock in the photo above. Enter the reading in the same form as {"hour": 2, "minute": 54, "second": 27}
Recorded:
{"hour": 3, "minute": 46, "second": 59}
